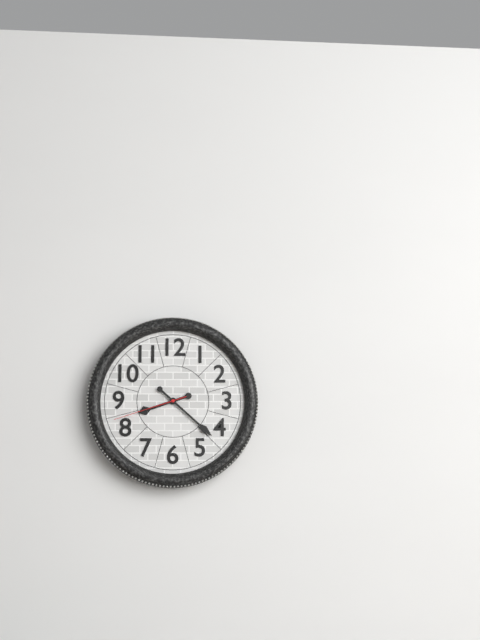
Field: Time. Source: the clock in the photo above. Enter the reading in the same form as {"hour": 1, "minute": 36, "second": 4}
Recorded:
{"hour": 8, "minute": 22, "second": 42}
